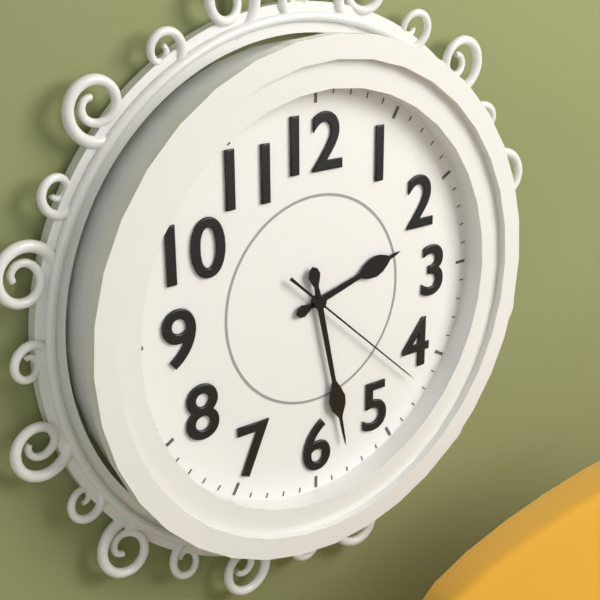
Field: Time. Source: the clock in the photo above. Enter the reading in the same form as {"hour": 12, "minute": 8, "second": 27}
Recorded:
{"hour": 2, "minute": 28, "second": 22}
